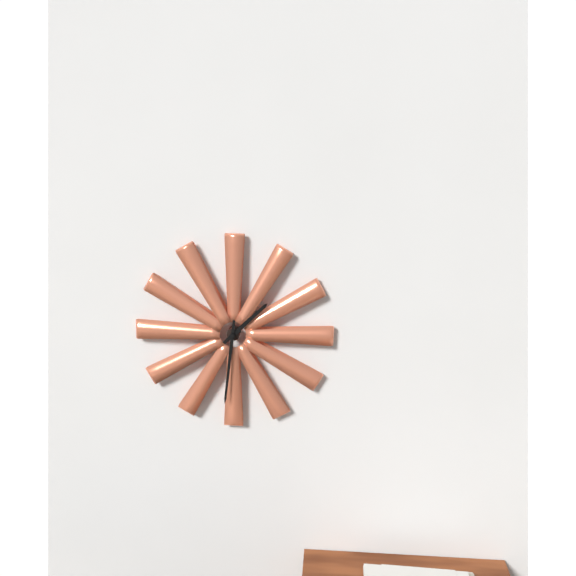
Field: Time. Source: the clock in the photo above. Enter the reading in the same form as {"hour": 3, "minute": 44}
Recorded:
{"hour": 1, "minute": 31}
